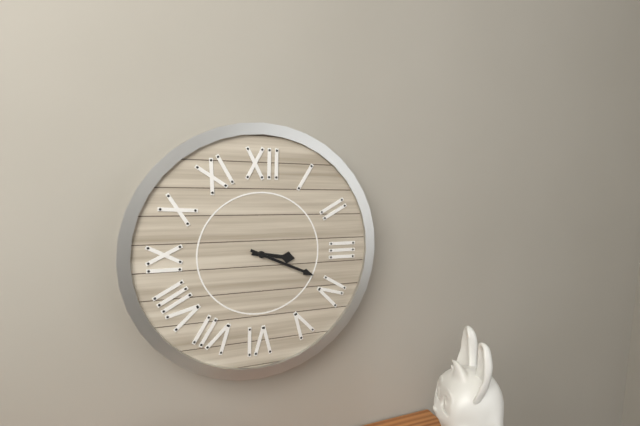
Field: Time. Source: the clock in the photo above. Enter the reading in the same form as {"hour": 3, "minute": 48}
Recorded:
{"hour": 3, "minute": 19}
